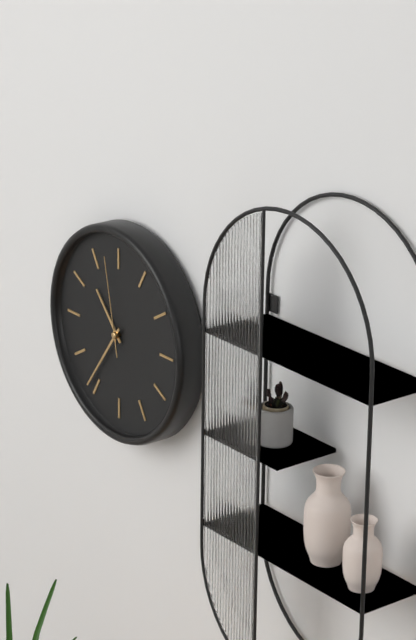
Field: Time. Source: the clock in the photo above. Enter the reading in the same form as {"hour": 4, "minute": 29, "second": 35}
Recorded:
{"hour": 10, "minute": 36, "second": 58}
